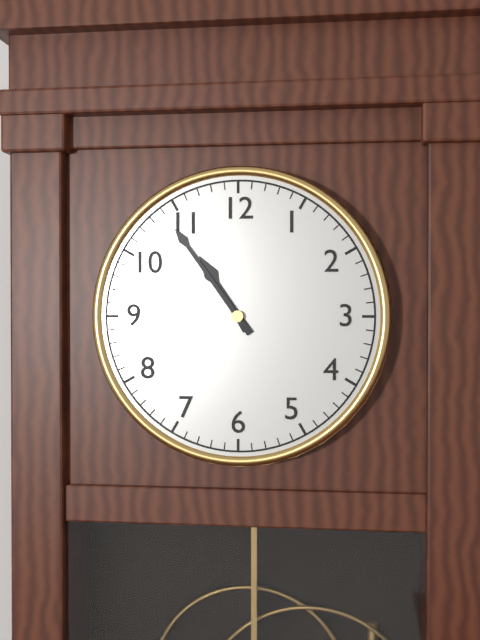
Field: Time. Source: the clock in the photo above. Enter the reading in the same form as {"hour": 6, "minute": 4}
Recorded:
{"hour": 10, "minute": 54}
